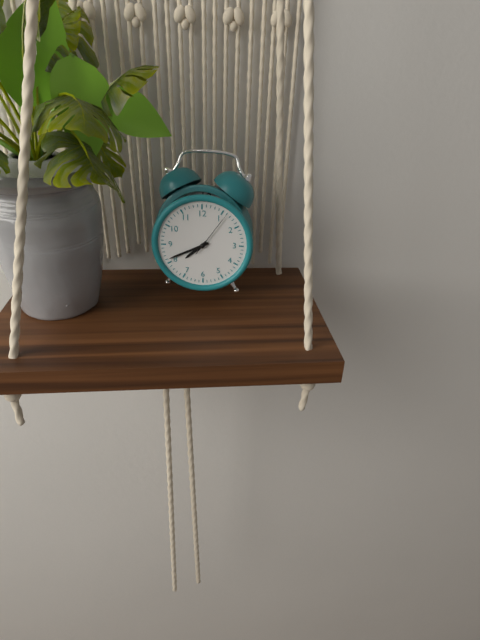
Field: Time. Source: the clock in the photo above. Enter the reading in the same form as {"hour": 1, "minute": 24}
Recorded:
{"hour": 7, "minute": 41}
